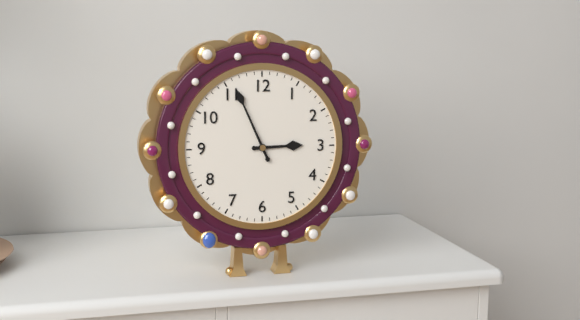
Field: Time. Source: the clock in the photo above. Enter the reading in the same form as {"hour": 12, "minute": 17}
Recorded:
{"hour": 2, "minute": 56}
